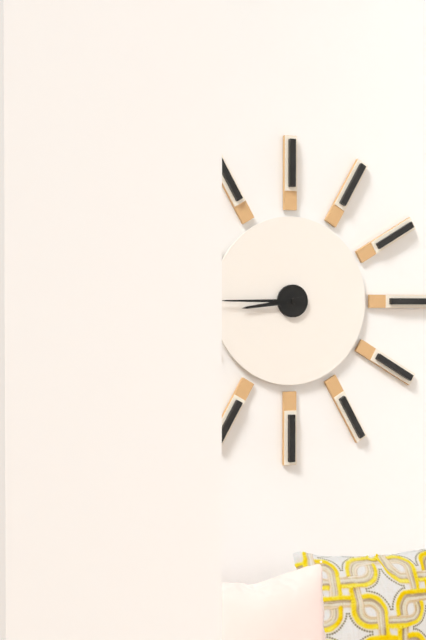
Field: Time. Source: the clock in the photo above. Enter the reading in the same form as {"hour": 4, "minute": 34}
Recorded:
{"hour": 8, "minute": 45}
